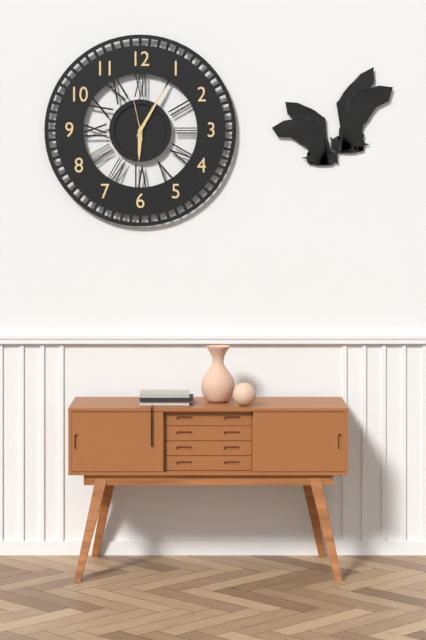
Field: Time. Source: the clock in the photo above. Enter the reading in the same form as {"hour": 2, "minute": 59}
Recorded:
{"hour": 6, "minute": 5}
